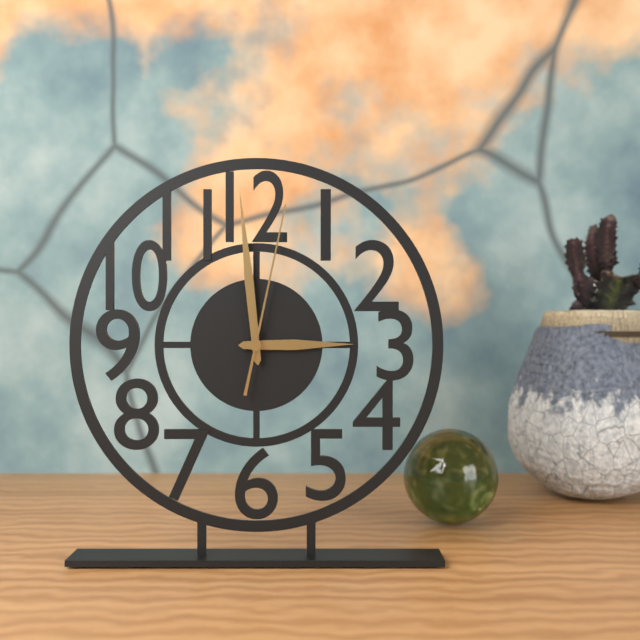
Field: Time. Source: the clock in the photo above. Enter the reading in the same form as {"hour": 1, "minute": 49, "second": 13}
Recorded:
{"hour": 2, "minute": 59, "second": 2}
